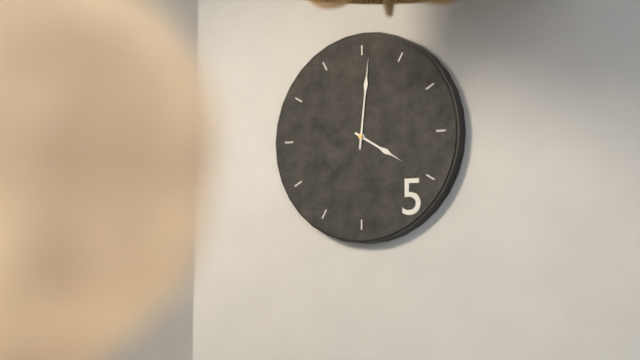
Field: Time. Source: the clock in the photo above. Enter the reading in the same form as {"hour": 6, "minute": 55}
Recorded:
{"hour": 4, "minute": 1}
